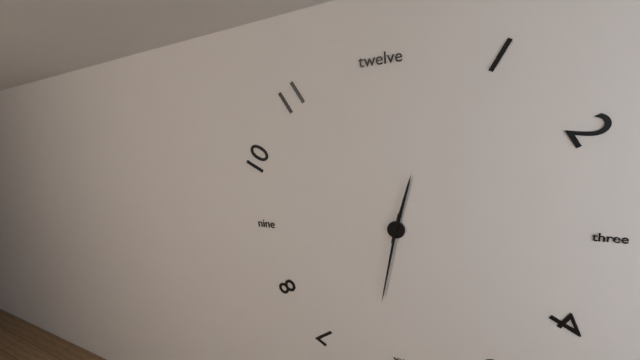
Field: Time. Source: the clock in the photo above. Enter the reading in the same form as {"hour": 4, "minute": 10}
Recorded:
{"hour": 12, "minute": 32}
